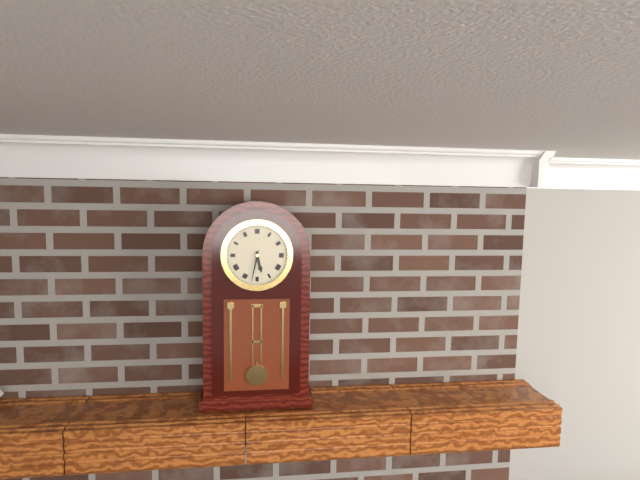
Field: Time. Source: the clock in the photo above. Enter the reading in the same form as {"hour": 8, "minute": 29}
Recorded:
{"hour": 5, "minute": 32}
